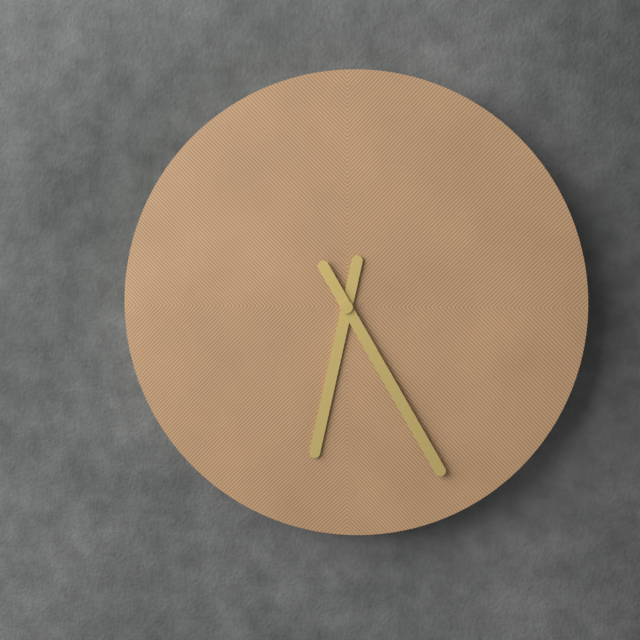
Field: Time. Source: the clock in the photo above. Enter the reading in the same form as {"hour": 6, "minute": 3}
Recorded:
{"hour": 6, "minute": 25}
